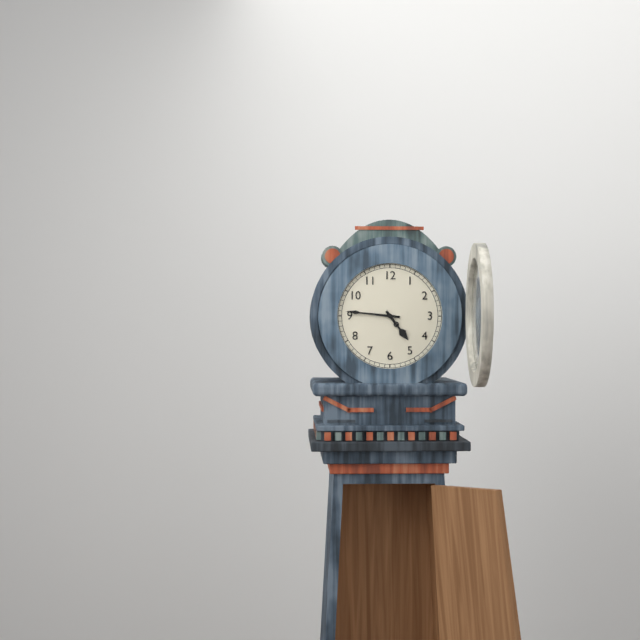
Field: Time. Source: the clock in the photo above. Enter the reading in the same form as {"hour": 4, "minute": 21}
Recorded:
{"hour": 4, "minute": 46}
